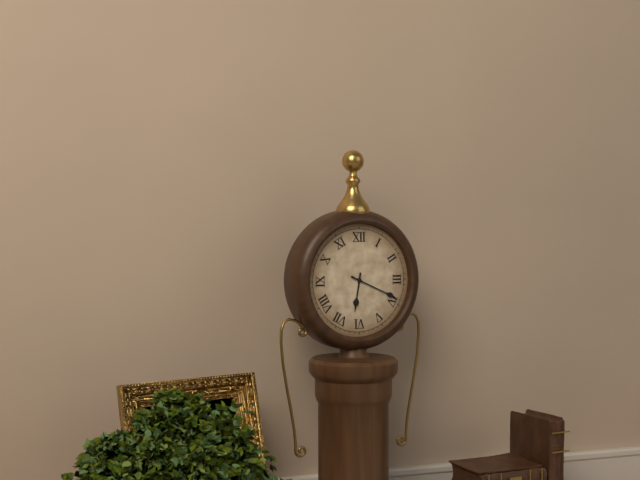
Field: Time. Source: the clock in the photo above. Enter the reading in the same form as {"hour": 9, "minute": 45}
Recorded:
{"hour": 6, "minute": 19}
